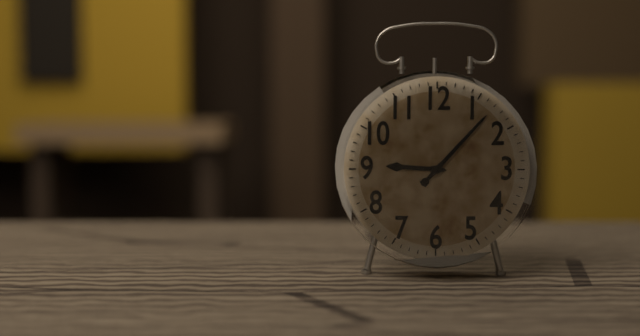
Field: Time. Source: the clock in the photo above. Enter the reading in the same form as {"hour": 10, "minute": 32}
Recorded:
{"hour": 9, "minute": 7}
